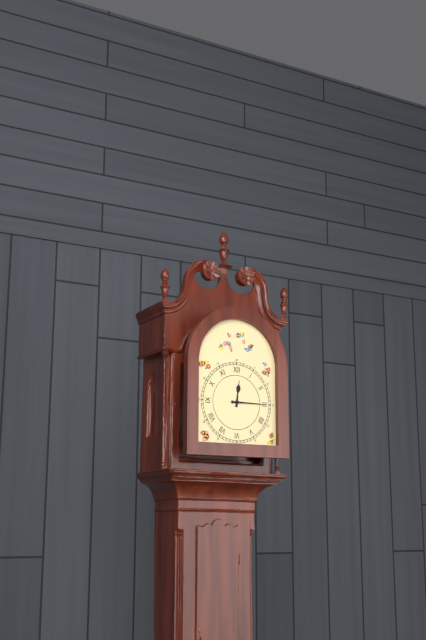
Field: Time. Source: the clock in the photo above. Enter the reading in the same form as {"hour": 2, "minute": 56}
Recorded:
{"hour": 12, "minute": 15}
